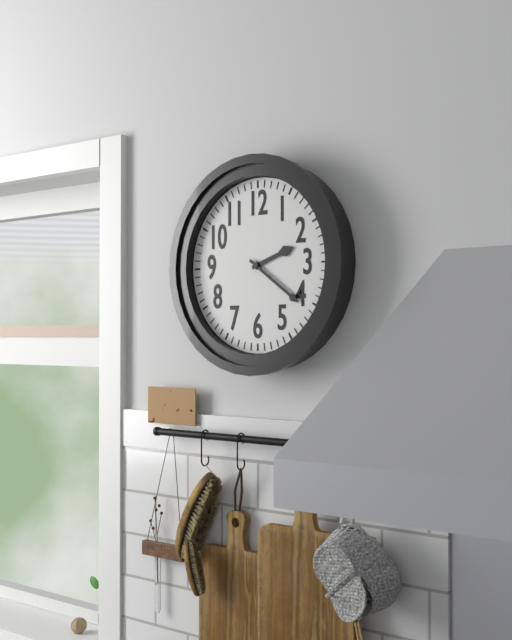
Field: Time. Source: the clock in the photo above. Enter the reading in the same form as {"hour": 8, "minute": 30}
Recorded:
{"hour": 2, "minute": 21}
